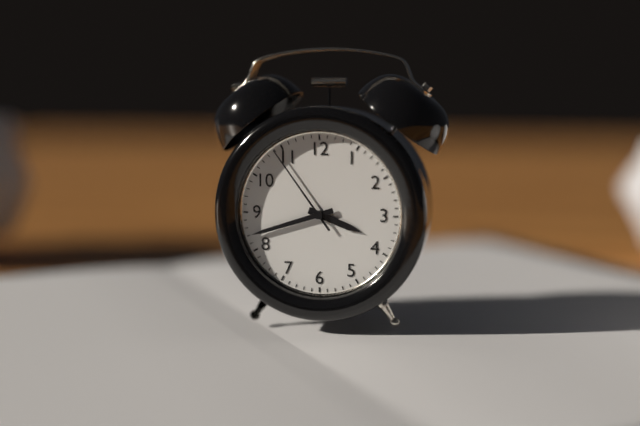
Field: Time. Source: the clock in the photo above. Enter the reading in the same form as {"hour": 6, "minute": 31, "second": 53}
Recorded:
{"hour": 3, "minute": 42, "second": 54}
